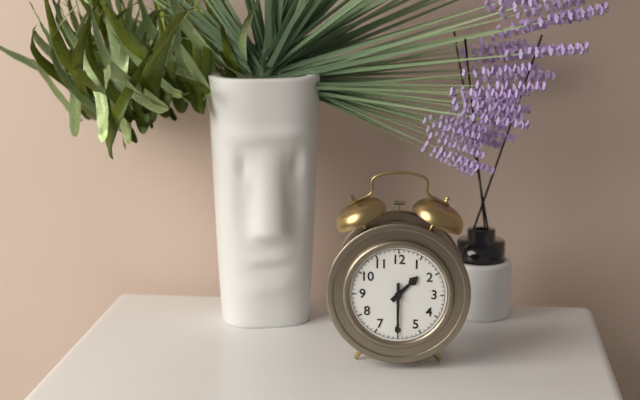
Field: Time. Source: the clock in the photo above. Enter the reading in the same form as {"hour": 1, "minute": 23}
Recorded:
{"hour": 1, "minute": 30}
